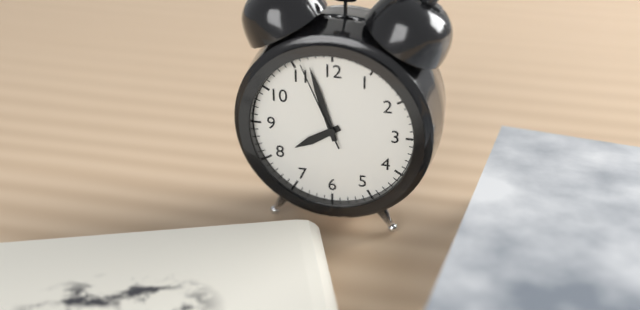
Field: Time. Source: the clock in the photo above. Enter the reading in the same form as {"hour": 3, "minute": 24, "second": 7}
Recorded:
{"hour": 7, "minute": 57, "second": 56}
